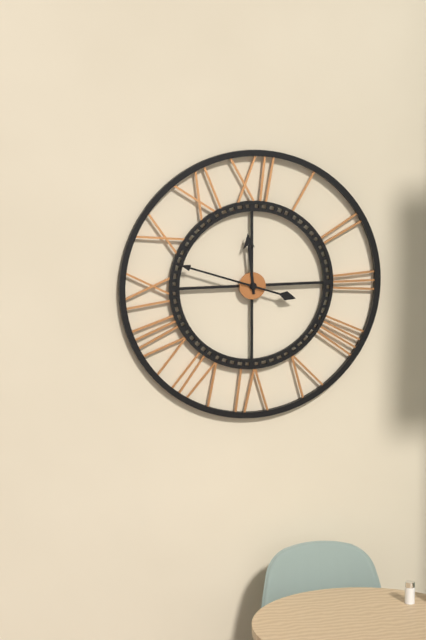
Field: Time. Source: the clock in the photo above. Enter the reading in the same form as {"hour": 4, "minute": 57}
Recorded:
{"hour": 11, "minute": 48}
